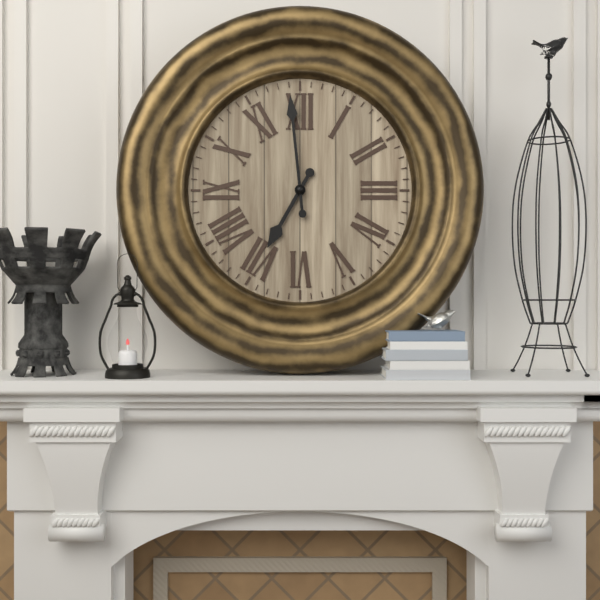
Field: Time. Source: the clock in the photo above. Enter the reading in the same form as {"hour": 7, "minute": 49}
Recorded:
{"hour": 6, "minute": 59}
